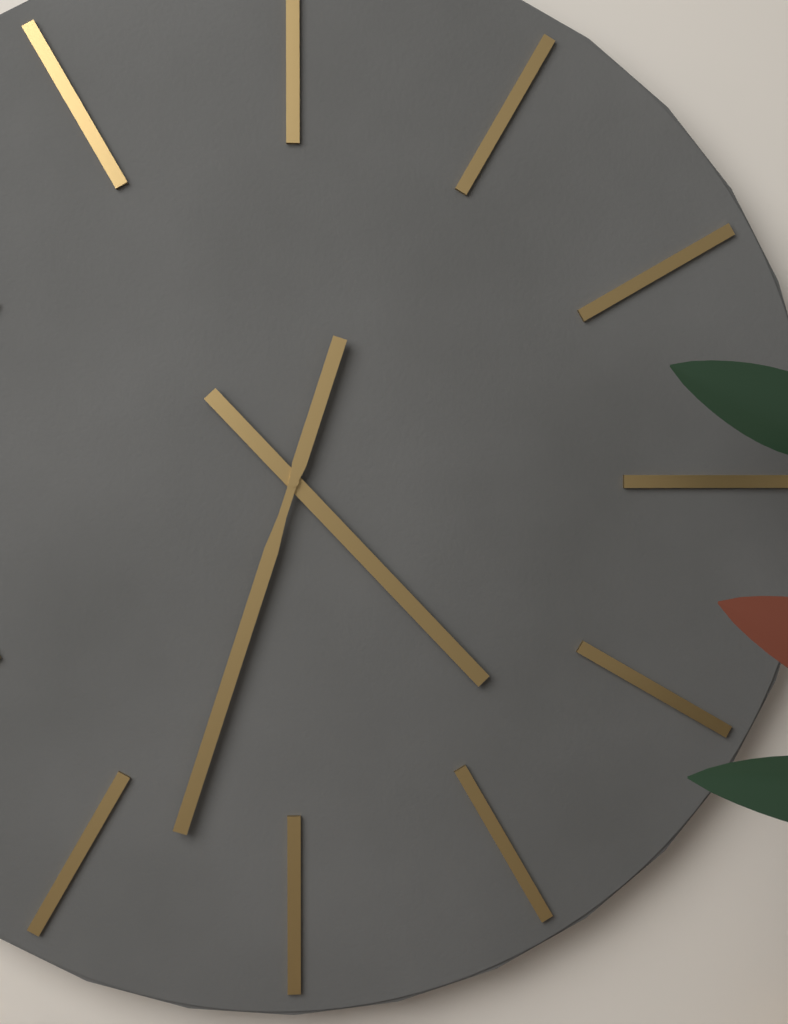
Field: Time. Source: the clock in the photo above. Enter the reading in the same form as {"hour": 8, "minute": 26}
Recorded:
{"hour": 4, "minute": 33}
